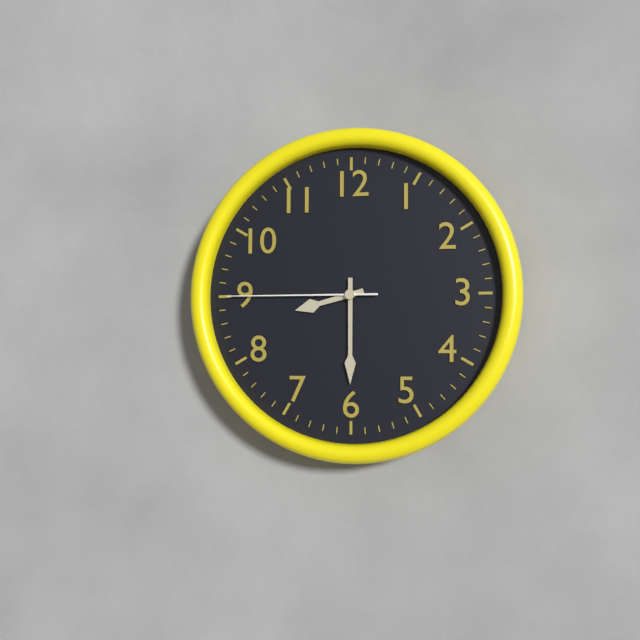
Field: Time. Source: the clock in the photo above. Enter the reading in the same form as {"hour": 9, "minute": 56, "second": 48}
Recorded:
{"hour": 8, "minute": 30, "second": 45}
